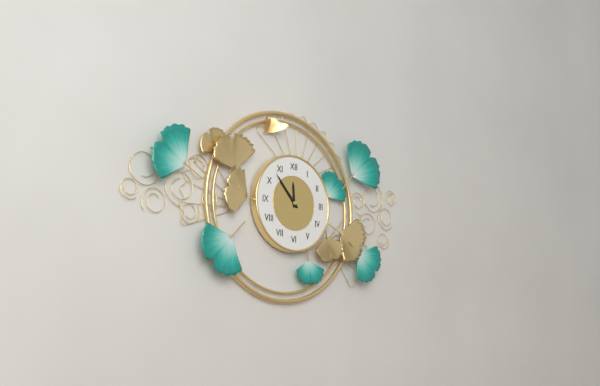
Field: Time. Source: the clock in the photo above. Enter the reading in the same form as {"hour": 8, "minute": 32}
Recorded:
{"hour": 11, "minute": 53}
